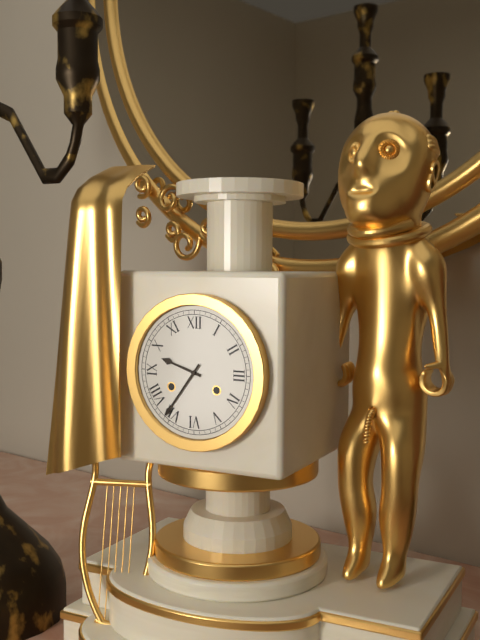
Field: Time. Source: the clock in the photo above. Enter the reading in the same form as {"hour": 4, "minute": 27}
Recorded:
{"hour": 9, "minute": 36}
